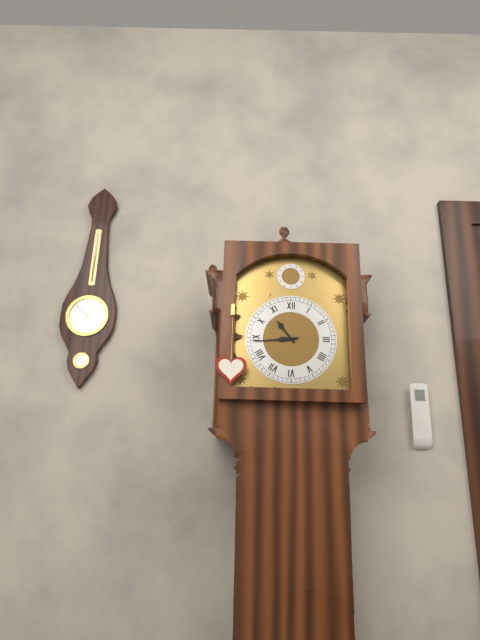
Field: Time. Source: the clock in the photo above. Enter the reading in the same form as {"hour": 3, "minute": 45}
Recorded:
{"hour": 10, "minute": 44}
